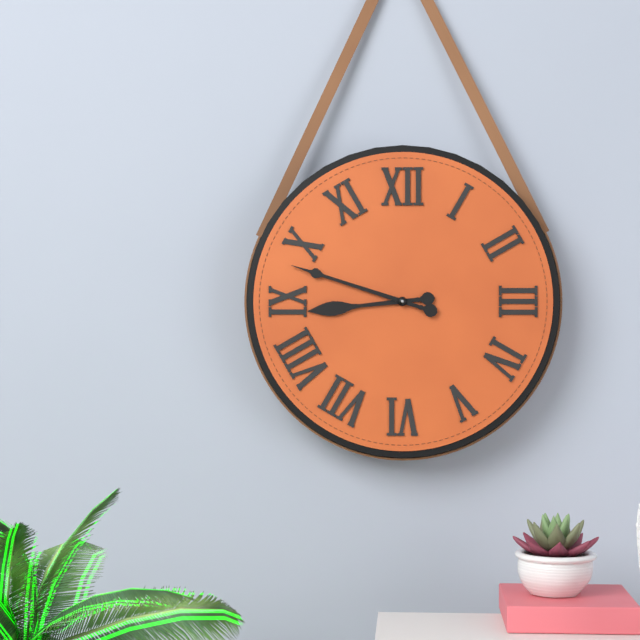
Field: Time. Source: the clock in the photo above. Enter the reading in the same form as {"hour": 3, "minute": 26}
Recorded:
{"hour": 8, "minute": 48}
